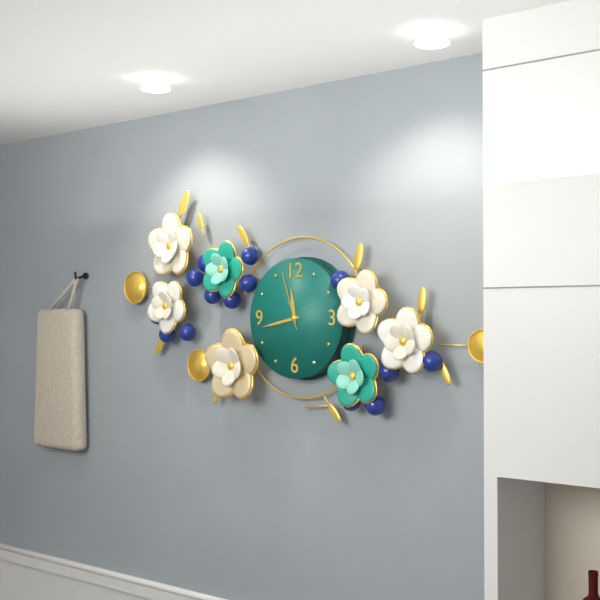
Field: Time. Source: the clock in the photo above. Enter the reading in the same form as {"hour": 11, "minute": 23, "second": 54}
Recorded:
{"hour": 11, "minute": 43, "second": 57}
